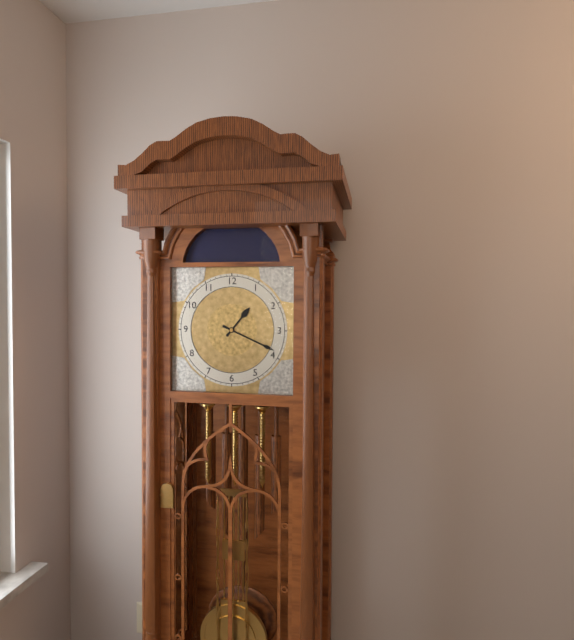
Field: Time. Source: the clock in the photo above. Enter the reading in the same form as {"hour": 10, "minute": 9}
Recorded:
{"hour": 1, "minute": 19}
